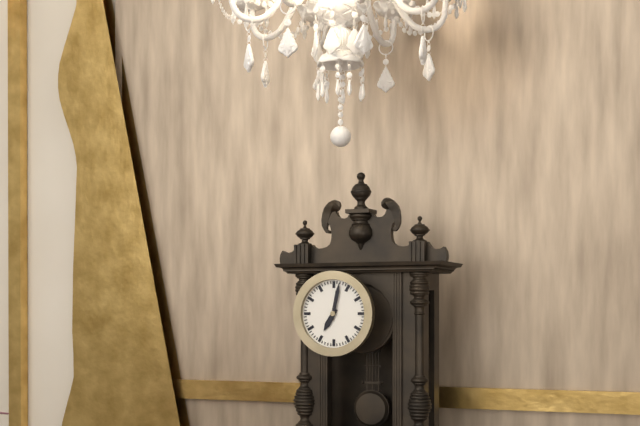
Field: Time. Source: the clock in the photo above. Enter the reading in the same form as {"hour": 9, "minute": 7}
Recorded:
{"hour": 7, "minute": 2}
